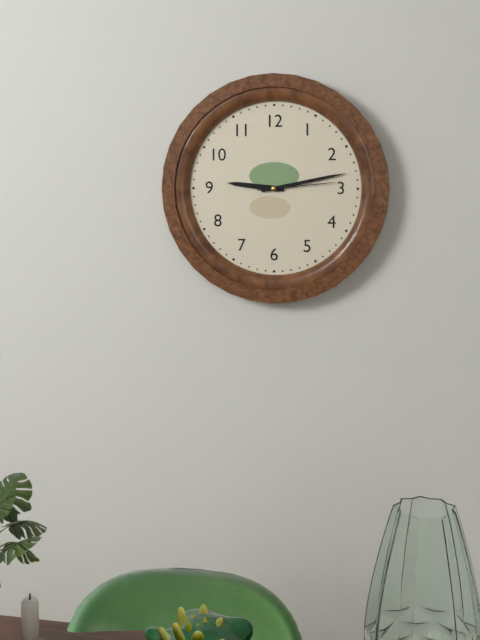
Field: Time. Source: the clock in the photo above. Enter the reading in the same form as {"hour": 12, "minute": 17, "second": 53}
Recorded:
{"hour": 9, "minute": 13, "second": 14}
